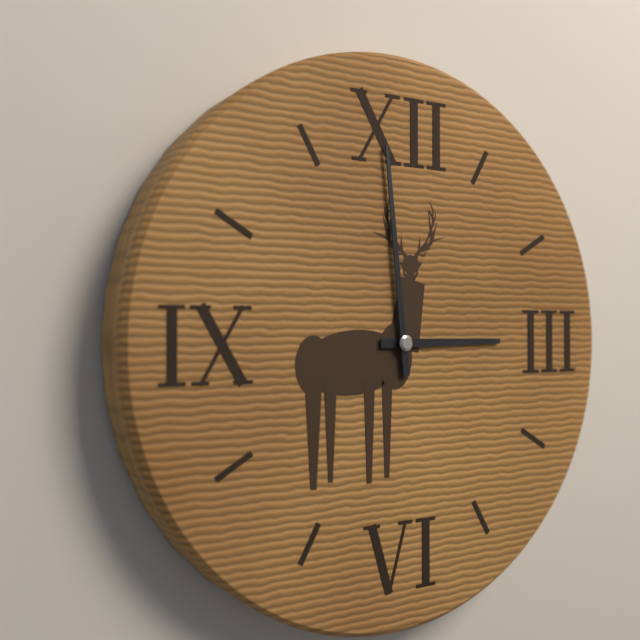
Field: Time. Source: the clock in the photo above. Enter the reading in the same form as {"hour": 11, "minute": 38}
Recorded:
{"hour": 2, "minute": 59}
